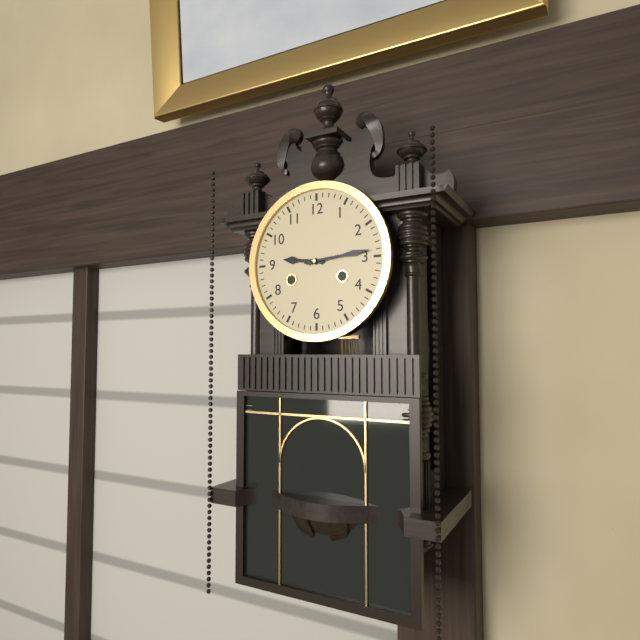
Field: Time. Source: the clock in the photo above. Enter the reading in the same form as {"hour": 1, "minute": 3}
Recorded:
{"hour": 9, "minute": 14}
